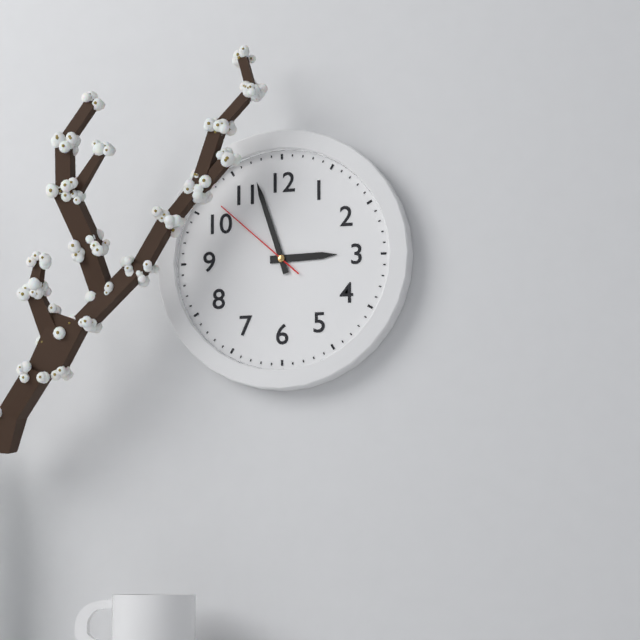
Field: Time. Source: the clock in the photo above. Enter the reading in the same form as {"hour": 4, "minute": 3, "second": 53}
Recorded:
{"hour": 2, "minute": 57, "second": 52}
